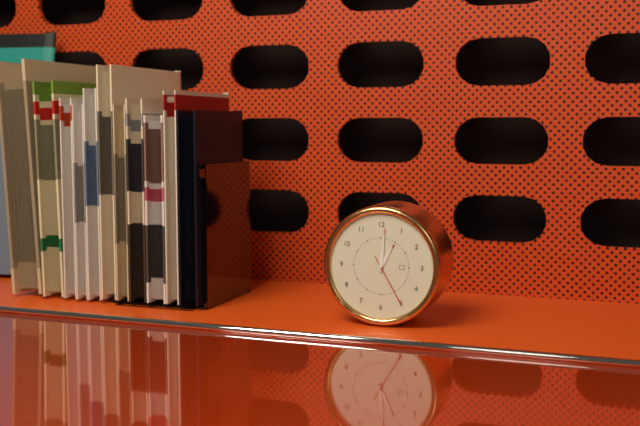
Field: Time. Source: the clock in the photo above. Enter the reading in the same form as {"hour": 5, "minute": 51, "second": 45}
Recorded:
{"hour": 1, "minute": 1, "second": 25}
